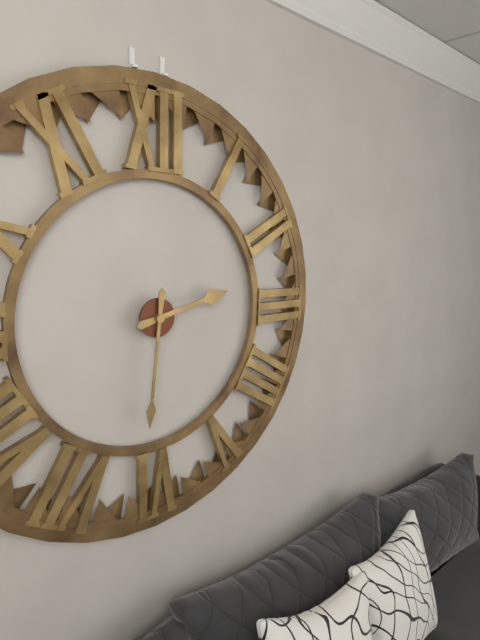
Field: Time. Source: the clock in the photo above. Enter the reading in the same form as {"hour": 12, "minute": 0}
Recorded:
{"hour": 2, "minute": 31}
